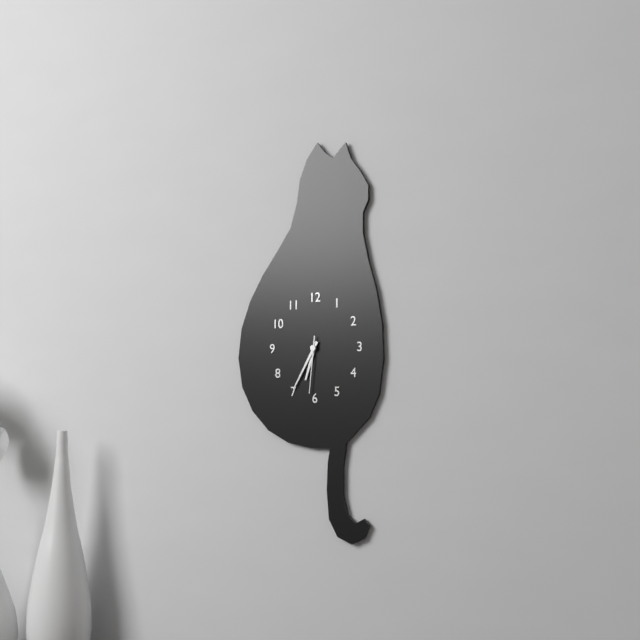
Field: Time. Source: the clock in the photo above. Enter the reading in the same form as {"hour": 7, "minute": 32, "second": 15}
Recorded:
{"hour": 6, "minute": 35, "second": 31}
